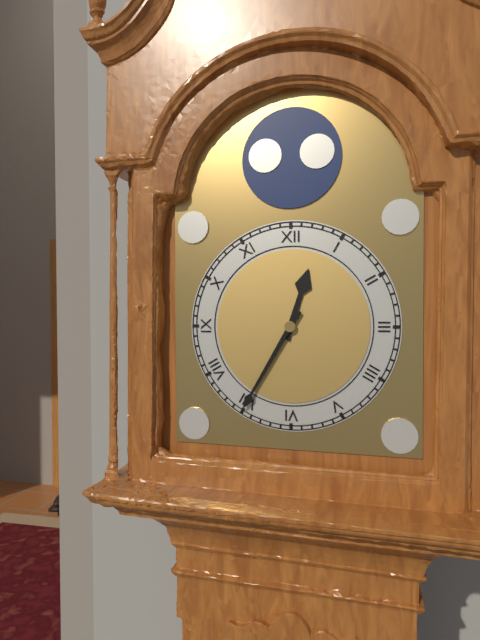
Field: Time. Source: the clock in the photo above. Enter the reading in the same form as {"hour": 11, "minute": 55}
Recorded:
{"hour": 12, "minute": 35}
